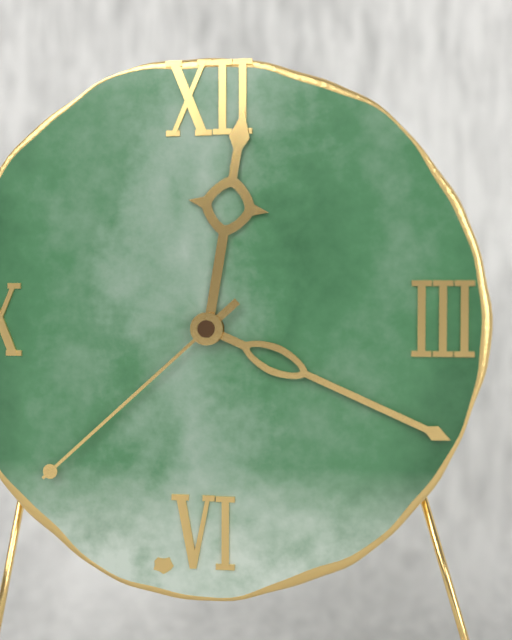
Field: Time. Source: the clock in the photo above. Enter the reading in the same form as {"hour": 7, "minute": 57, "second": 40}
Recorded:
{"hour": 12, "minute": 19, "second": 38}
